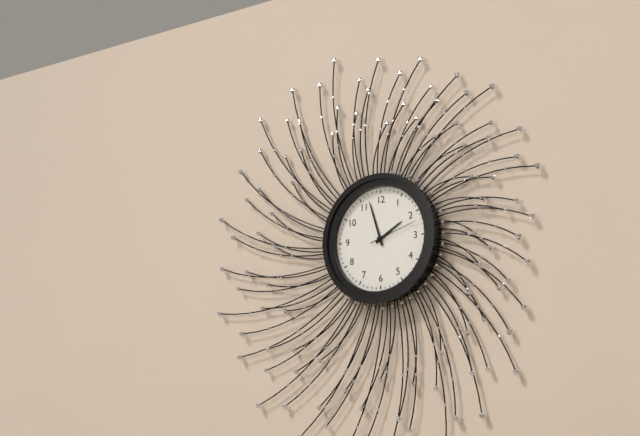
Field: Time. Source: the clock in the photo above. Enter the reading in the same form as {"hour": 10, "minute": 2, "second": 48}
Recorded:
{"hour": 1, "minute": 57, "second": 12}
